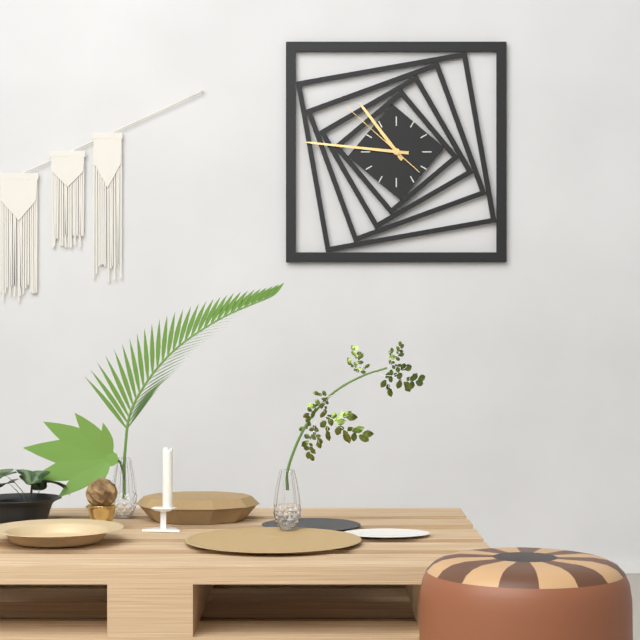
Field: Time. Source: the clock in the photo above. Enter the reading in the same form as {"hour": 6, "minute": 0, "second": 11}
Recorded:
{"hour": 10, "minute": 46, "second": 52}
